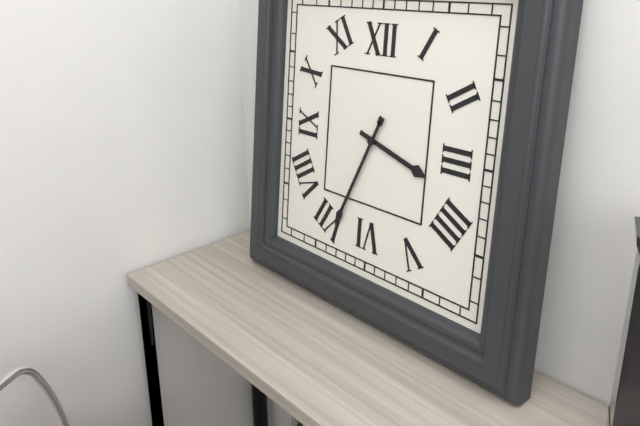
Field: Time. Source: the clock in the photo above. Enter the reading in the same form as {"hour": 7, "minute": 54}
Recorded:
{"hour": 3, "minute": 34}
